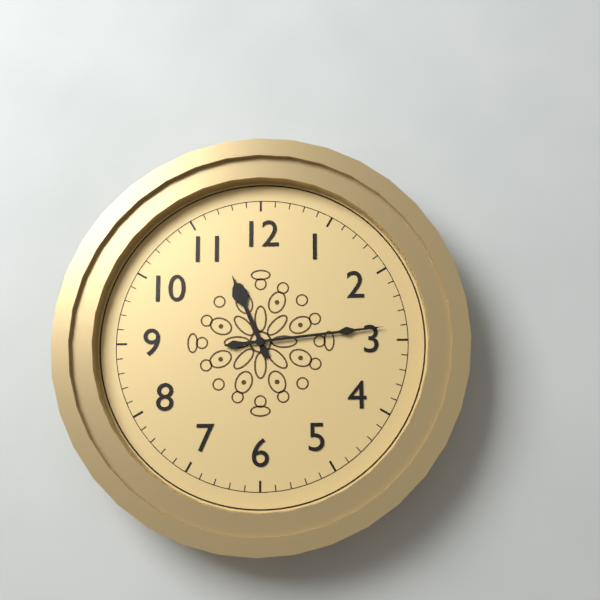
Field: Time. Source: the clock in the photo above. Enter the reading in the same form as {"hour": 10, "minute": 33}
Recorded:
{"hour": 11, "minute": 14}
